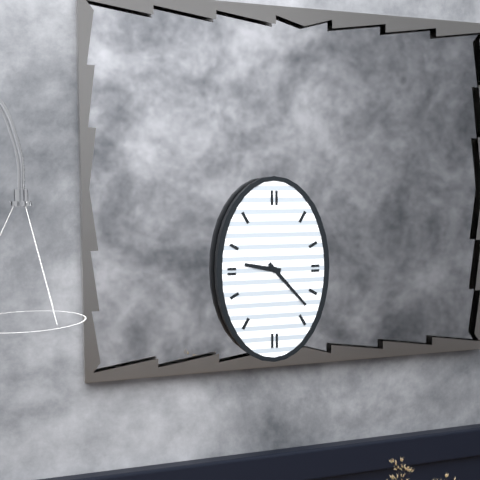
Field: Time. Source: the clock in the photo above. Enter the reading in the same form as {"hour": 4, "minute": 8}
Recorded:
{"hour": 9, "minute": 23}
